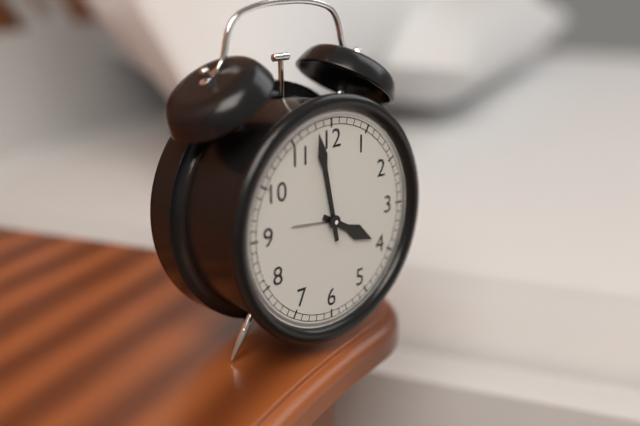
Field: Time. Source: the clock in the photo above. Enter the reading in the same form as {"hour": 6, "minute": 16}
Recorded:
{"hour": 3, "minute": 58}
